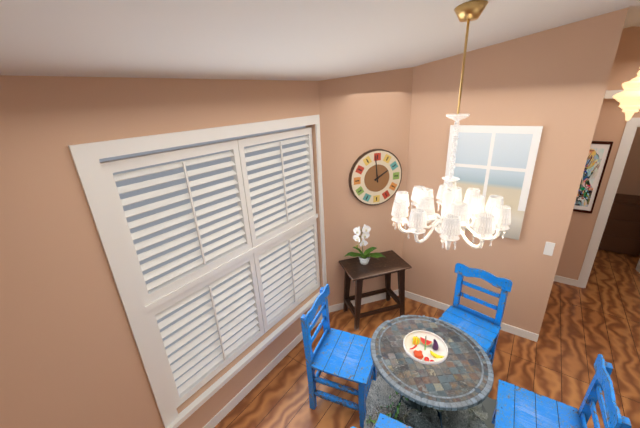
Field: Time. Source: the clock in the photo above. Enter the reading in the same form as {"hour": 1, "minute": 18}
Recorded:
{"hour": 1, "minute": 59}
